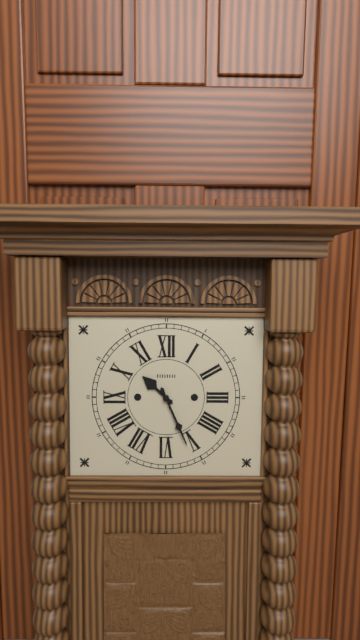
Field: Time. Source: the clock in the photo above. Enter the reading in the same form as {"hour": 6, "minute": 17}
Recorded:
{"hour": 10, "minute": 26}
